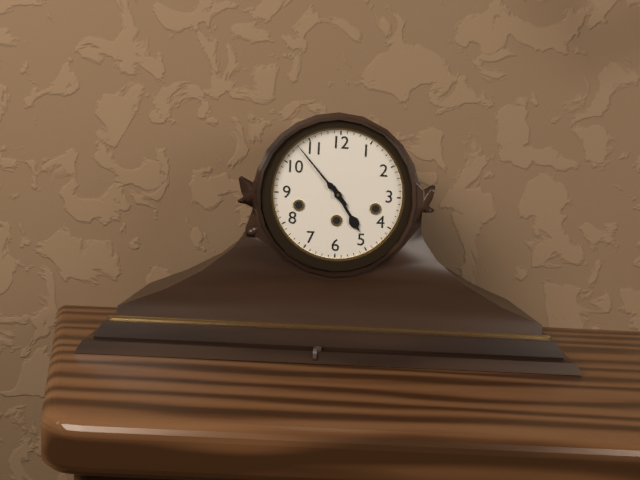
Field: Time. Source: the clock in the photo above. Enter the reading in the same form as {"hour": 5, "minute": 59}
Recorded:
{"hour": 4, "minute": 53}
